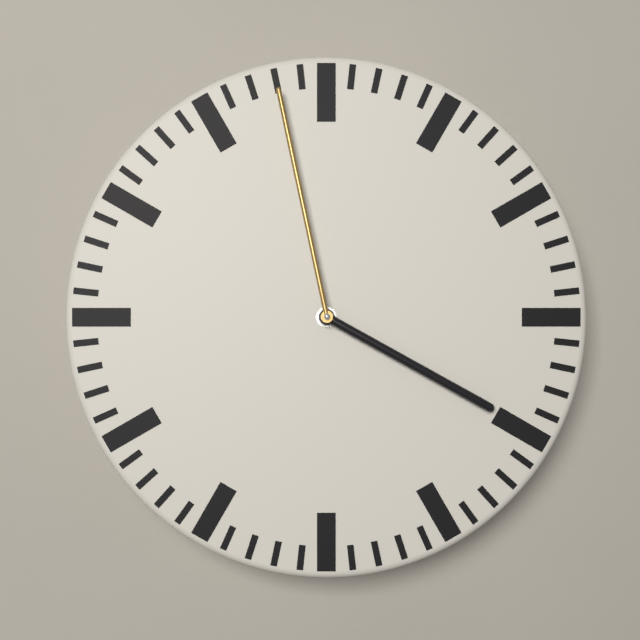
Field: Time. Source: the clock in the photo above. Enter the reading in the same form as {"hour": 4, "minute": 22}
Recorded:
{"hour": 3, "minute": 58}
